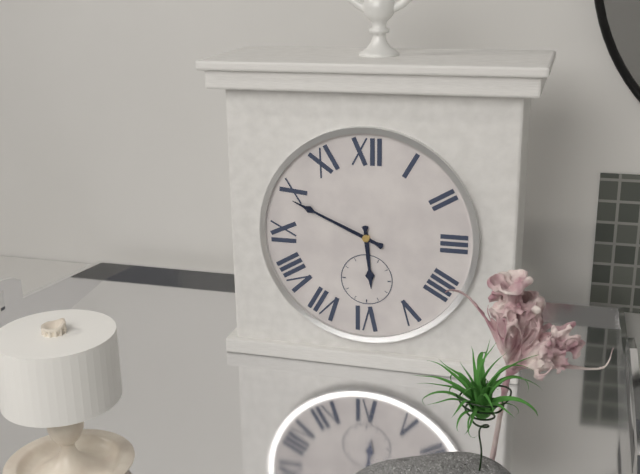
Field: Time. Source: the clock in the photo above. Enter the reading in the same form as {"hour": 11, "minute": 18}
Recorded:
{"hour": 5, "minute": 49}
